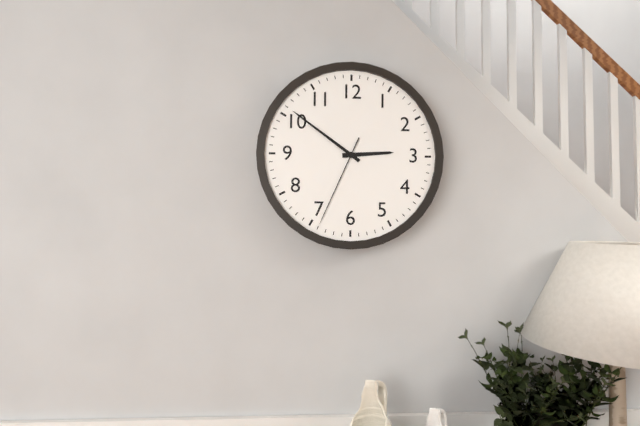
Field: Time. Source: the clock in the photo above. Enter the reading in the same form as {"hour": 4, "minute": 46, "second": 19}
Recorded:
{"hour": 2, "minute": 51, "second": 34}
